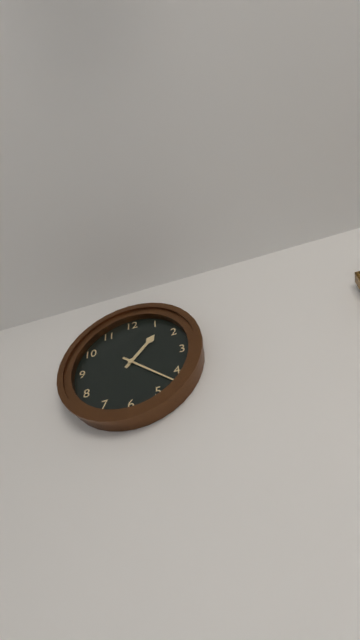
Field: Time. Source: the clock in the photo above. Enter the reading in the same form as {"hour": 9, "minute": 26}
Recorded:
{"hour": 1, "minute": 22}
